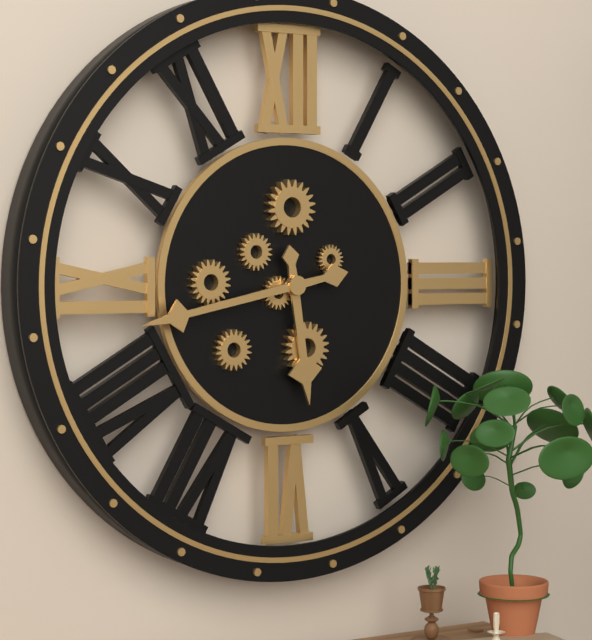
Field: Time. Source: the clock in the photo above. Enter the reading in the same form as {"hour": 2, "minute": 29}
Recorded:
{"hour": 5, "minute": 43}
